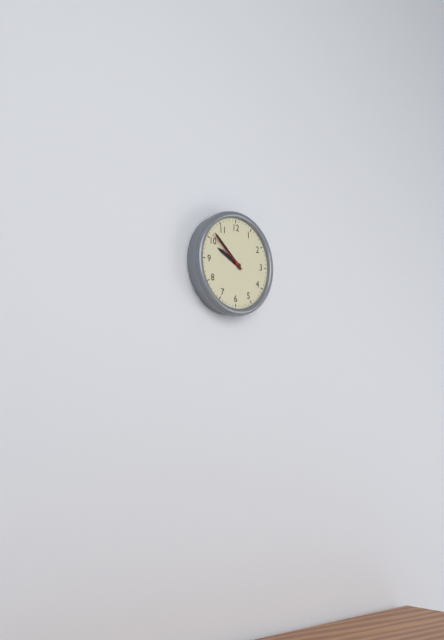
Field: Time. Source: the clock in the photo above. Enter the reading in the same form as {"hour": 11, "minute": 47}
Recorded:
{"hour": 9, "minute": 52}
